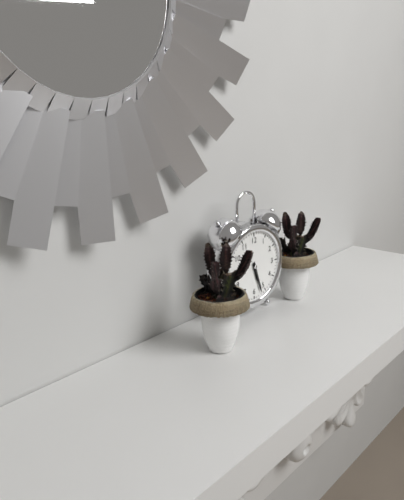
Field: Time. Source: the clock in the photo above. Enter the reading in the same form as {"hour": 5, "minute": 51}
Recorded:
{"hour": 5, "minute": 27}
